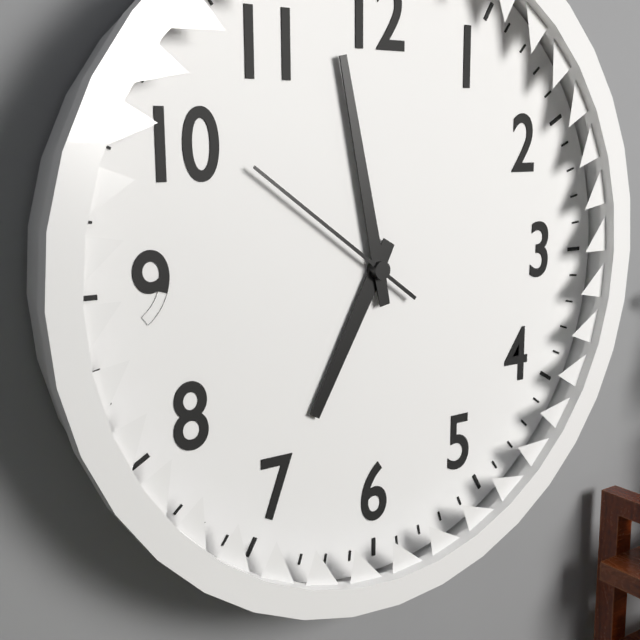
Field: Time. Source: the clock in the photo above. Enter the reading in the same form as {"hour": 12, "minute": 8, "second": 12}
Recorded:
{"hour": 6, "minute": 58, "second": 51}
